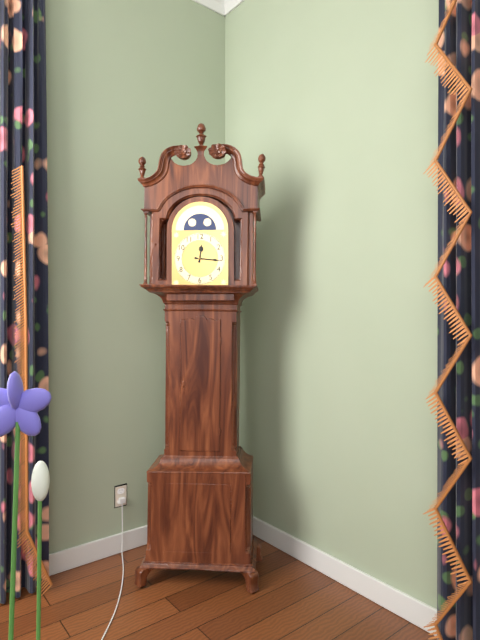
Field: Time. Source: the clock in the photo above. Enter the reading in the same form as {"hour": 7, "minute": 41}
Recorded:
{"hour": 12, "minute": 16}
